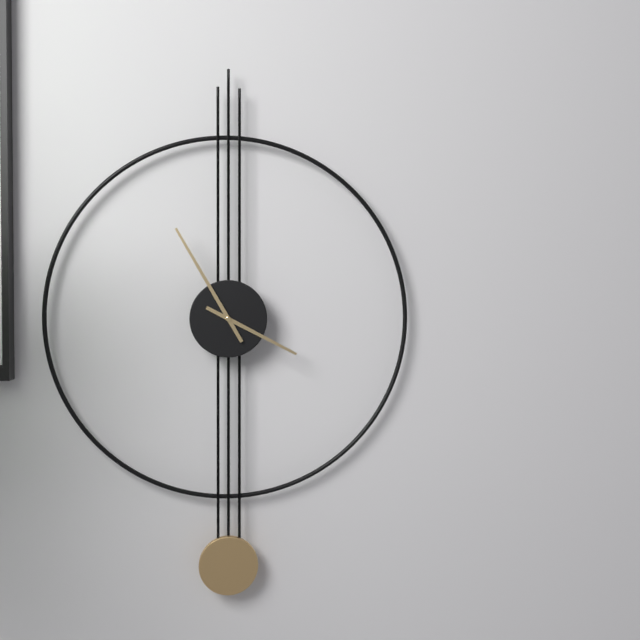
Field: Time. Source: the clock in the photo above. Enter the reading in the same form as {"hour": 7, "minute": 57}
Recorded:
{"hour": 3, "minute": 55}
